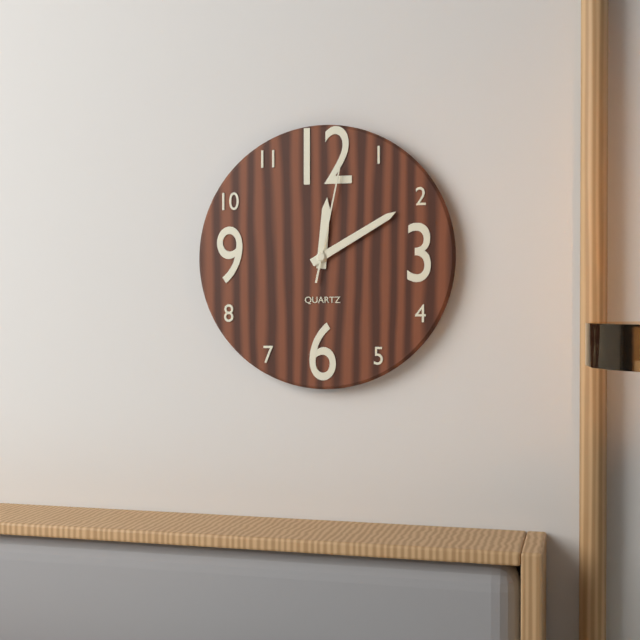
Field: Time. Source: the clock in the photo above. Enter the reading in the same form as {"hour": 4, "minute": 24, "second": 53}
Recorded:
{"hour": 12, "minute": 10, "second": 2}
